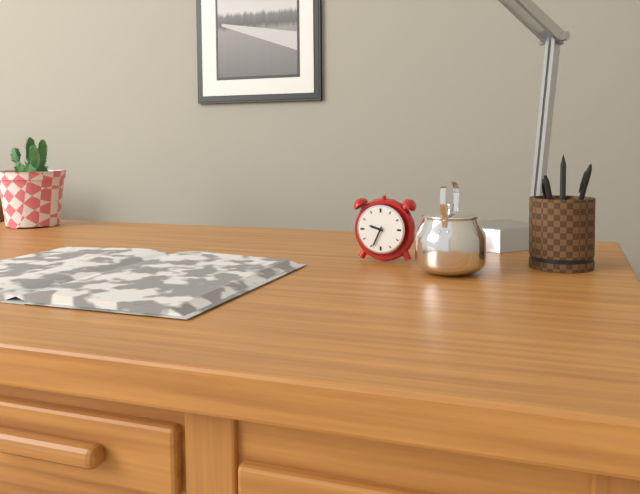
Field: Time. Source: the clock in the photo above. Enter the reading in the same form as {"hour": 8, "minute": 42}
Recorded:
{"hour": 9, "minute": 34}
